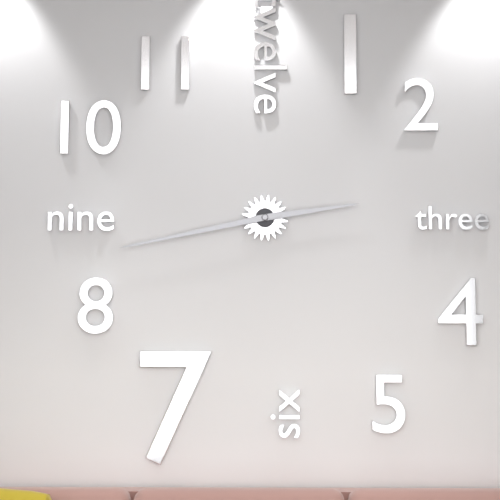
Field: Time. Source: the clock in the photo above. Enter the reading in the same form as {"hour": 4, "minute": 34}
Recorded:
{"hour": 2, "minute": 43}
